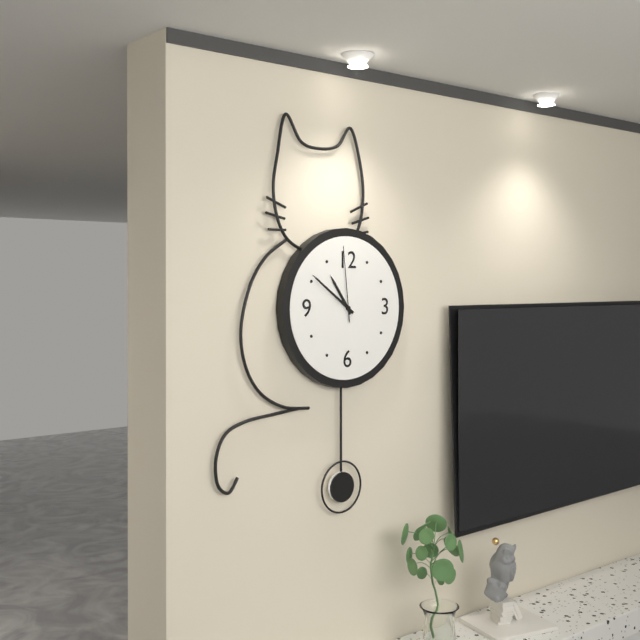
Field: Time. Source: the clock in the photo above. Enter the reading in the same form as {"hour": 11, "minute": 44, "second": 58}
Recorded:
{"hour": 10, "minute": 51, "second": 59}
